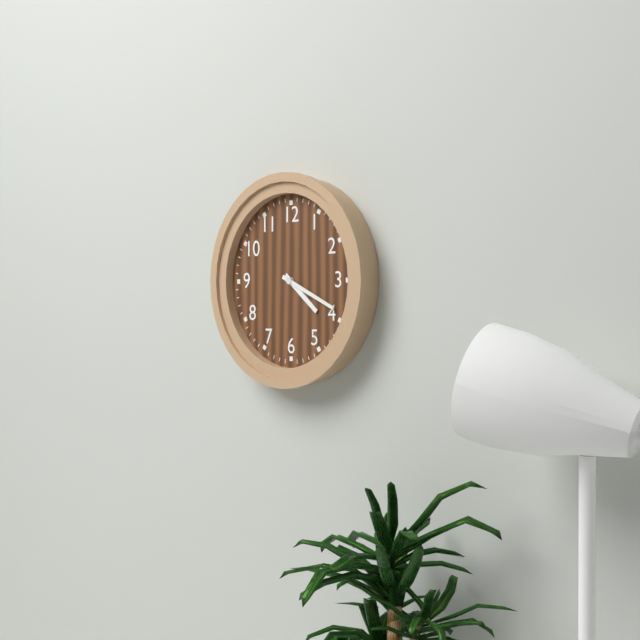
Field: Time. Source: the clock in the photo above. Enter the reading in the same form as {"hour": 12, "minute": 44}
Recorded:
{"hour": 4, "minute": 19}
